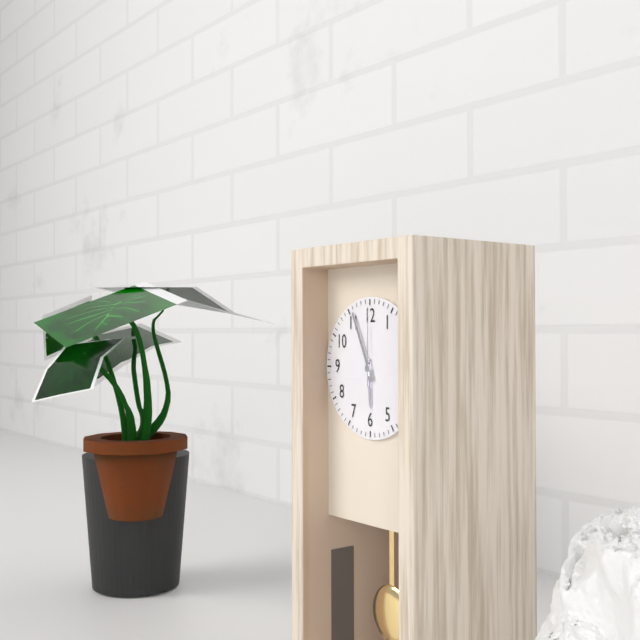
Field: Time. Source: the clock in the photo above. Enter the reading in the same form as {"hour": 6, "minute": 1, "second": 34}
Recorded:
{"hour": 5, "minute": 56, "second": 0}
